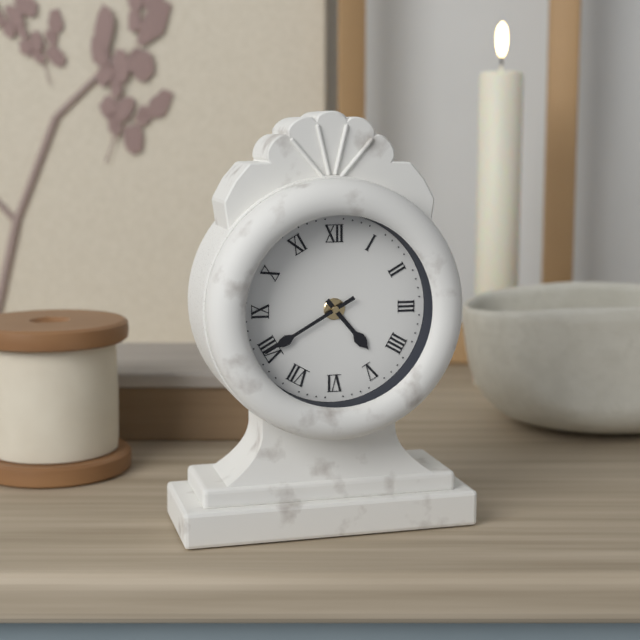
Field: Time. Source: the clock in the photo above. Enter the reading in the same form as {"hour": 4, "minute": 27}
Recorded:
{"hour": 4, "minute": 40}
